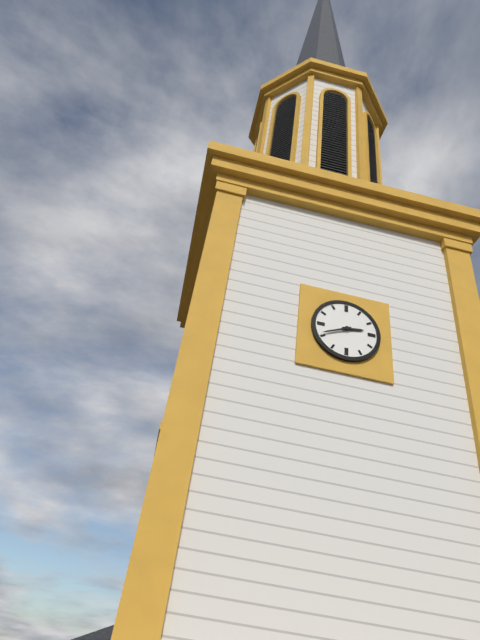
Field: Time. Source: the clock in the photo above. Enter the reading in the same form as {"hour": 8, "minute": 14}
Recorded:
{"hour": 2, "minute": 41}
